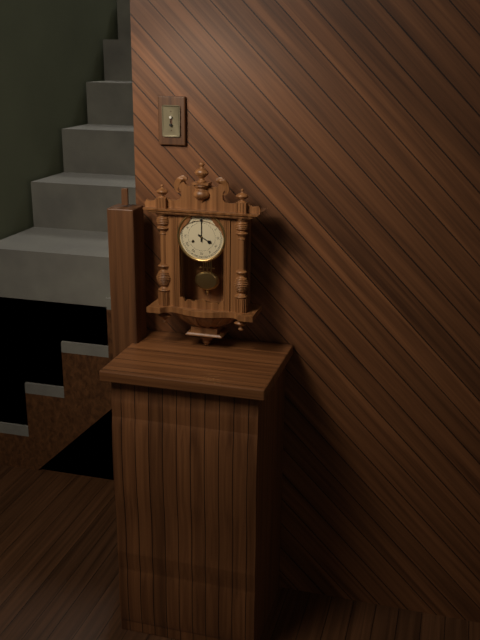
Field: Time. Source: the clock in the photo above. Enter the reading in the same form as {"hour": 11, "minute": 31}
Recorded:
{"hour": 4, "minute": 0}
